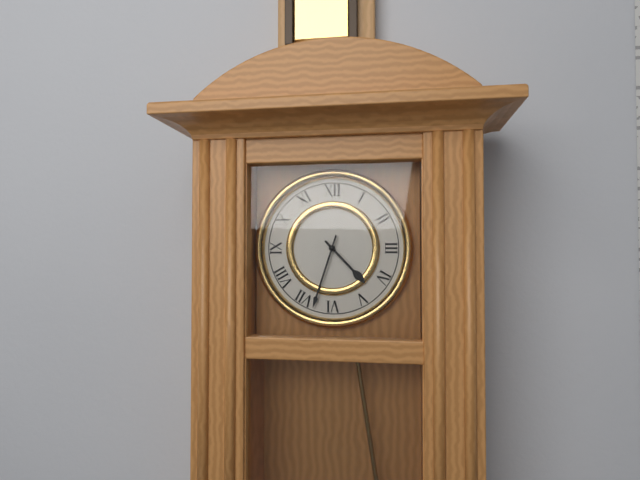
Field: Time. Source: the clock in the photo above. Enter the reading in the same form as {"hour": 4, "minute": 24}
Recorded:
{"hour": 4, "minute": 33}
